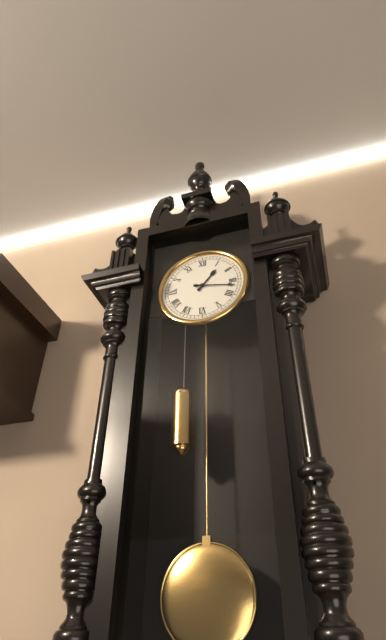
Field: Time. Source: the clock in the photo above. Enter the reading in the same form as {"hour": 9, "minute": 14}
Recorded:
{"hour": 1, "minute": 17}
